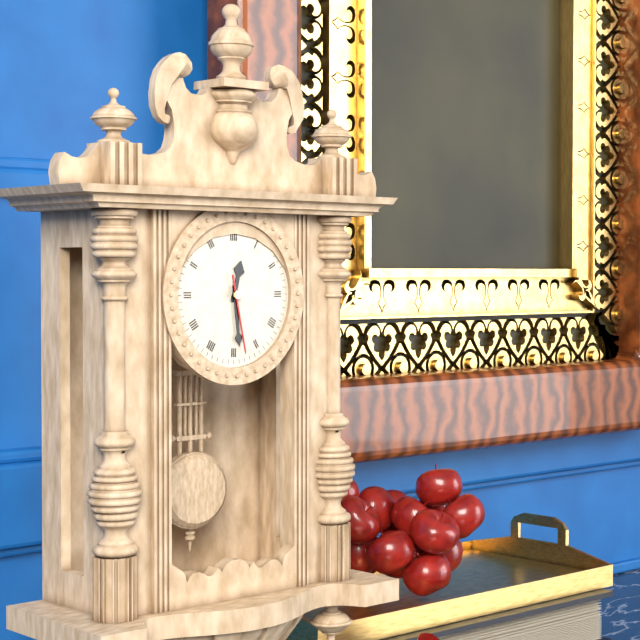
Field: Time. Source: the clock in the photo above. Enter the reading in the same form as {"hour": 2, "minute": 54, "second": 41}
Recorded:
{"hour": 12, "minute": 29, "second": 28}
